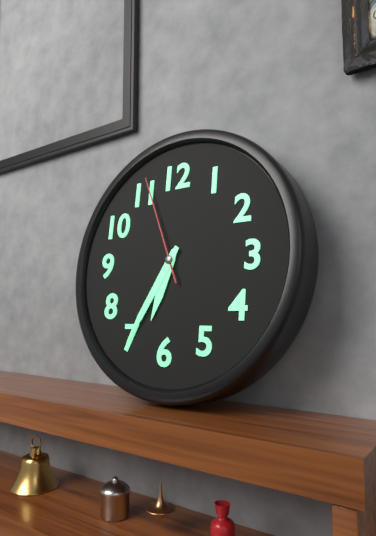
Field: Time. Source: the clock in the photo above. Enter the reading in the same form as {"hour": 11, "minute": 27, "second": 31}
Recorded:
{"hour": 6, "minute": 35, "second": 56}
